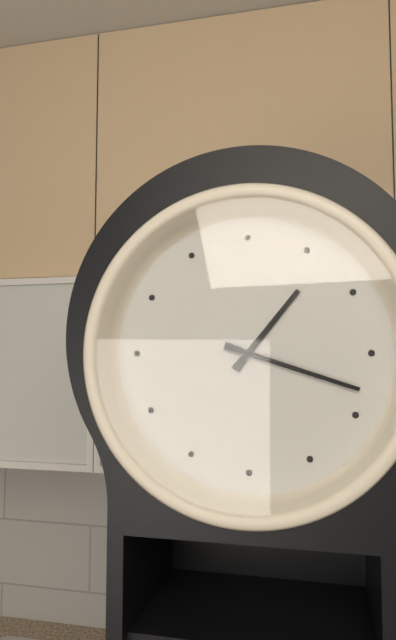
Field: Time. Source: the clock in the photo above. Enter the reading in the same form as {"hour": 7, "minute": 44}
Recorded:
{"hour": 1, "minute": 18}
